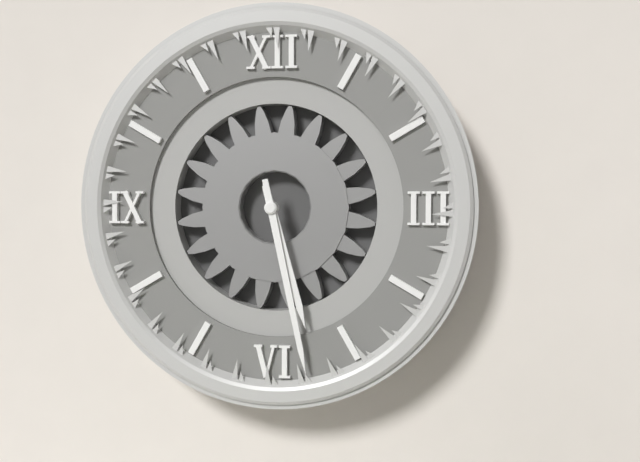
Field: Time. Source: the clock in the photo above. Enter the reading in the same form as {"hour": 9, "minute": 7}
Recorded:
{"hour": 5, "minute": 28}
